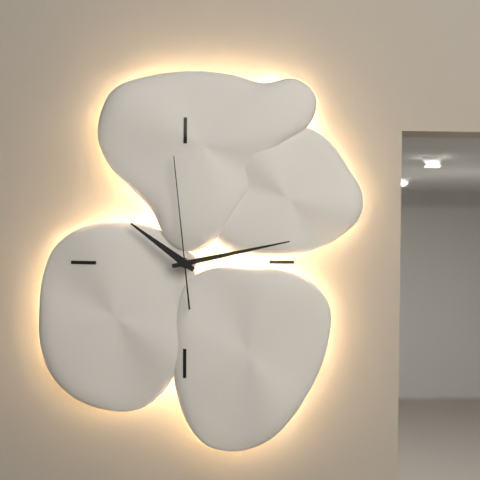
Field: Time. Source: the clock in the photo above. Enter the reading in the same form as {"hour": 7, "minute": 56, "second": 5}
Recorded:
{"hour": 10, "minute": 13, "second": 59}
